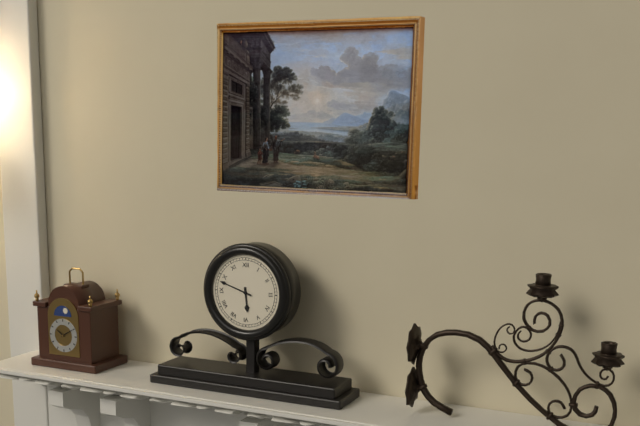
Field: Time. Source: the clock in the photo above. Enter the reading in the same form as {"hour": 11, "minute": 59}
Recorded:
{"hour": 5, "minute": 48}
